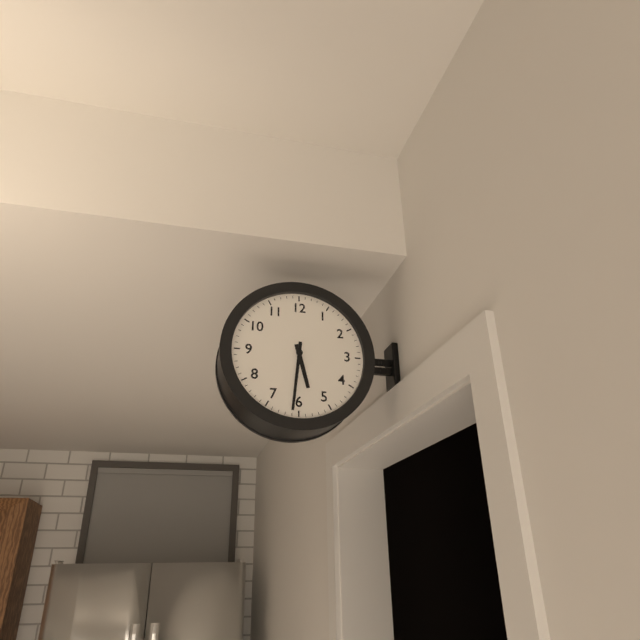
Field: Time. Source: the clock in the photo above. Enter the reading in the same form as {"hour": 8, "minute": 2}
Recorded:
{"hour": 5, "minute": 31}
